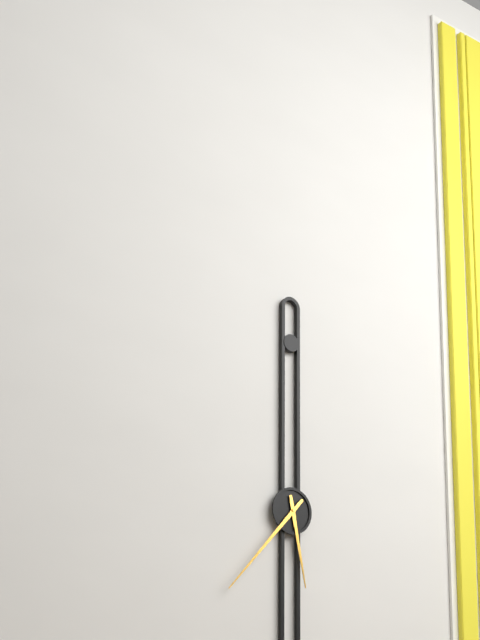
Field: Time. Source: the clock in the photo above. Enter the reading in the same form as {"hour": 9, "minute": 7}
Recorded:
{"hour": 5, "minute": 37}
